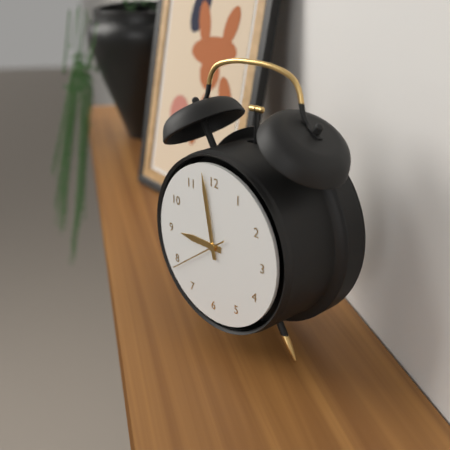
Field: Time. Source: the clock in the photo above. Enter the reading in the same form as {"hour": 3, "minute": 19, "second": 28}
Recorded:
{"hour": 8, "minute": 58, "second": 39}
